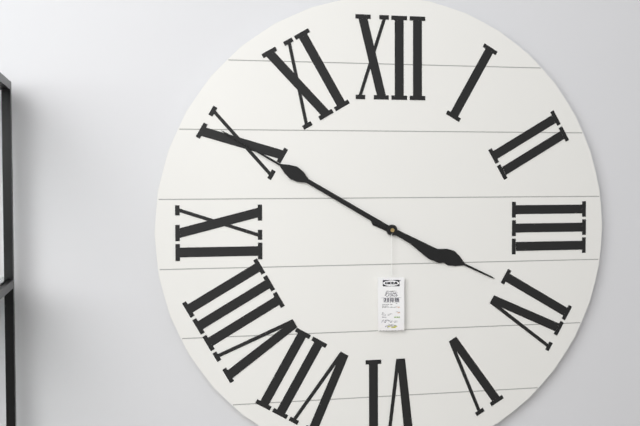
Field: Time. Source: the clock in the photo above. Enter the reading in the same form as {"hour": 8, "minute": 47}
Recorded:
{"hour": 3, "minute": 50}
